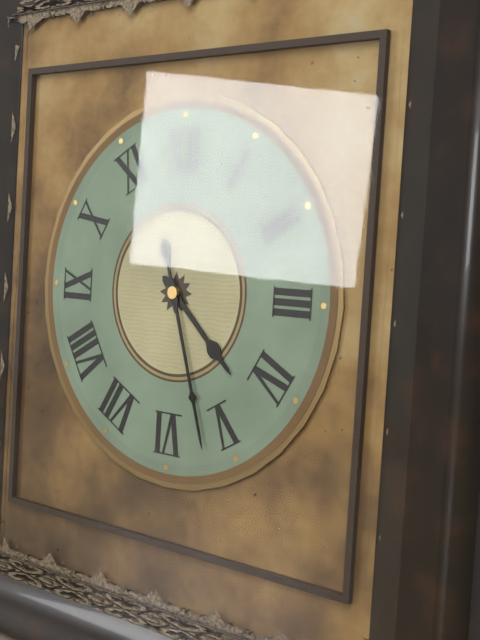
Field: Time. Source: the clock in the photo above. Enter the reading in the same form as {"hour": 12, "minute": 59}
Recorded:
{"hour": 4, "minute": 27}
